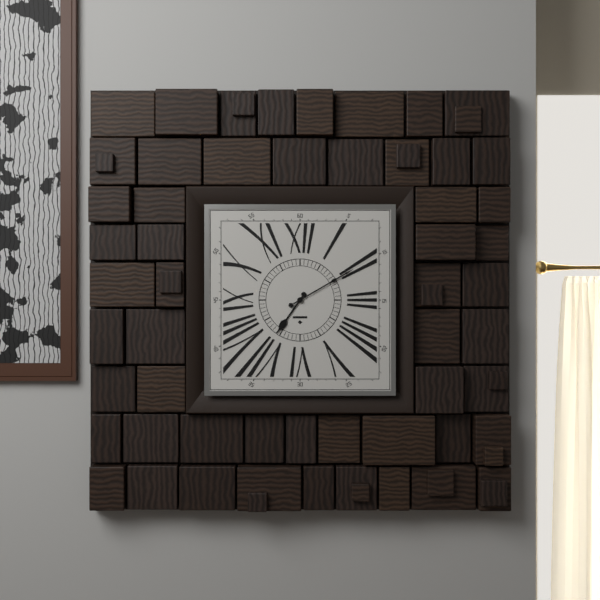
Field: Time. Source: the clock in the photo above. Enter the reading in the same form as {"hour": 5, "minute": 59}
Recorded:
{"hour": 7, "minute": 10}
